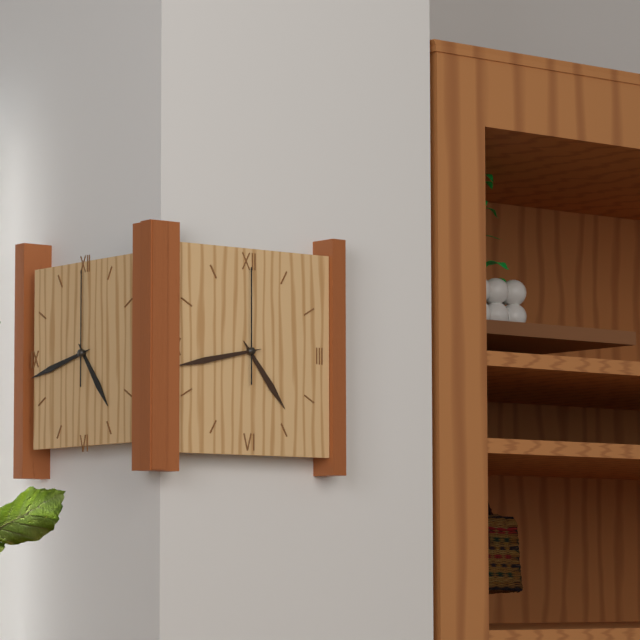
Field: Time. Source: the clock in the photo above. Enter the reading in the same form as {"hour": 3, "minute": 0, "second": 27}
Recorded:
{"hour": 4, "minute": 43, "second": 0}
